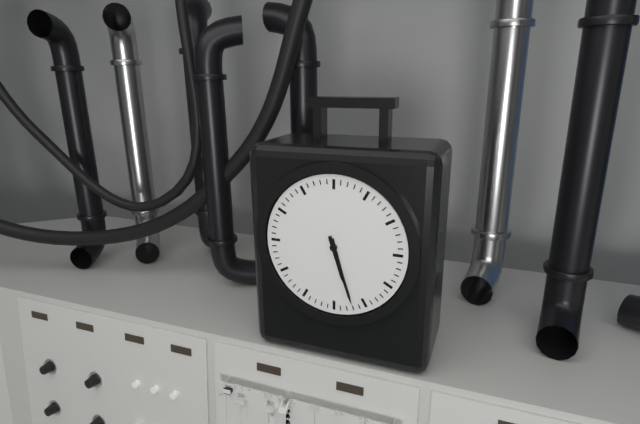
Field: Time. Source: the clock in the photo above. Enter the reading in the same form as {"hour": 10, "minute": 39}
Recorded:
{"hour": 5, "minute": 27}
